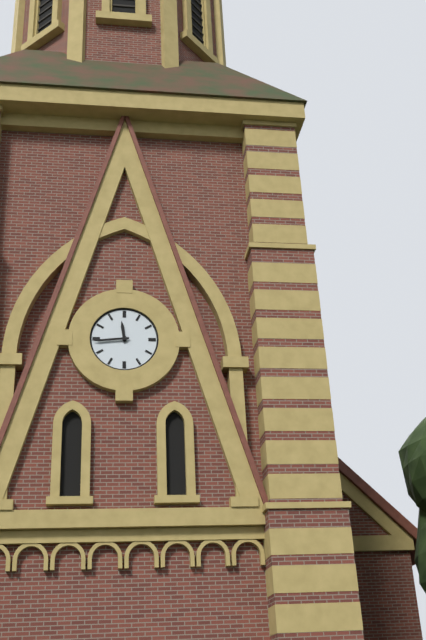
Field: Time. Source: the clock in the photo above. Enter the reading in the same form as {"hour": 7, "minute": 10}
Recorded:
{"hour": 11, "minute": 44}
